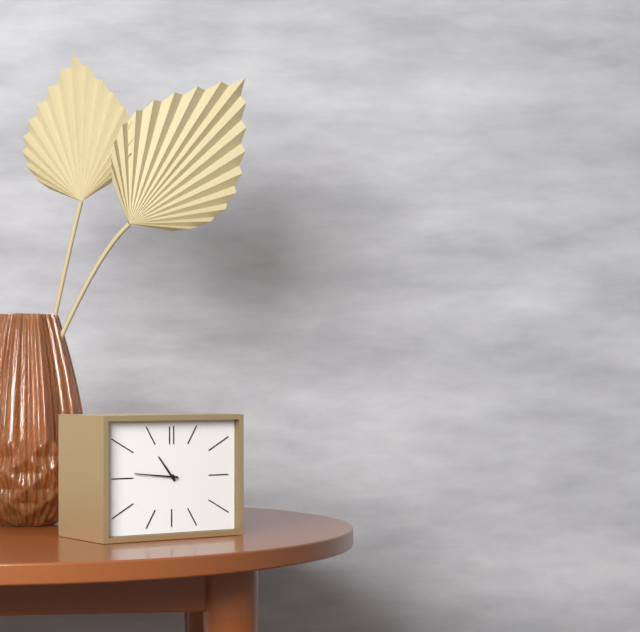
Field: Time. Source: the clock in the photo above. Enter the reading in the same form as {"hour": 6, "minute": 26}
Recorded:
{"hour": 10, "minute": 46}
